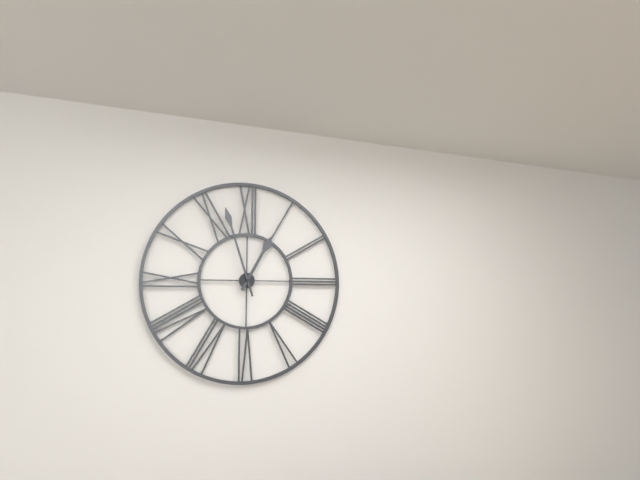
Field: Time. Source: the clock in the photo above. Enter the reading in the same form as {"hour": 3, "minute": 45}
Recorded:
{"hour": 12, "minute": 57}
